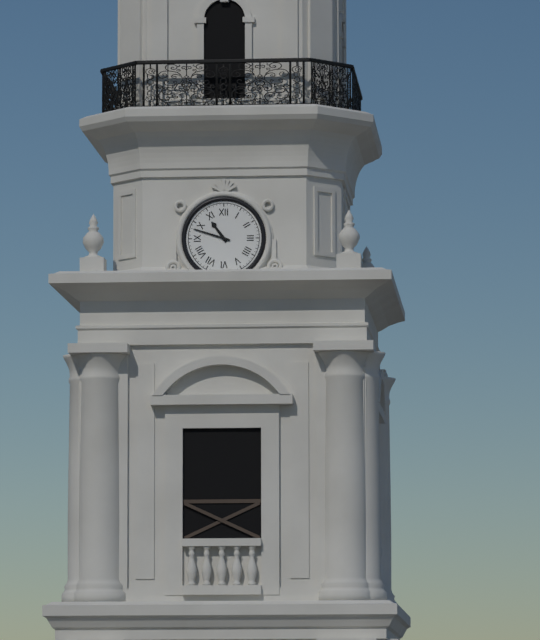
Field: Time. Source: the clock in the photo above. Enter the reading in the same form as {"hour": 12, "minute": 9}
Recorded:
{"hour": 10, "minute": 48}
